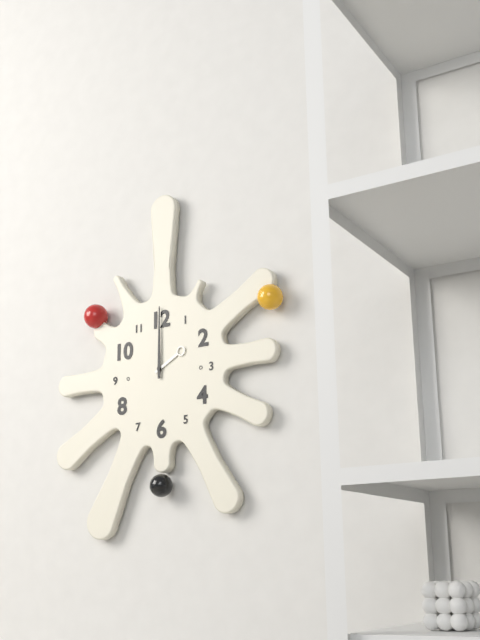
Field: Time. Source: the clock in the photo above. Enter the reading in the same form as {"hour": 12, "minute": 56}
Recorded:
{"hour": 2, "minute": 0}
